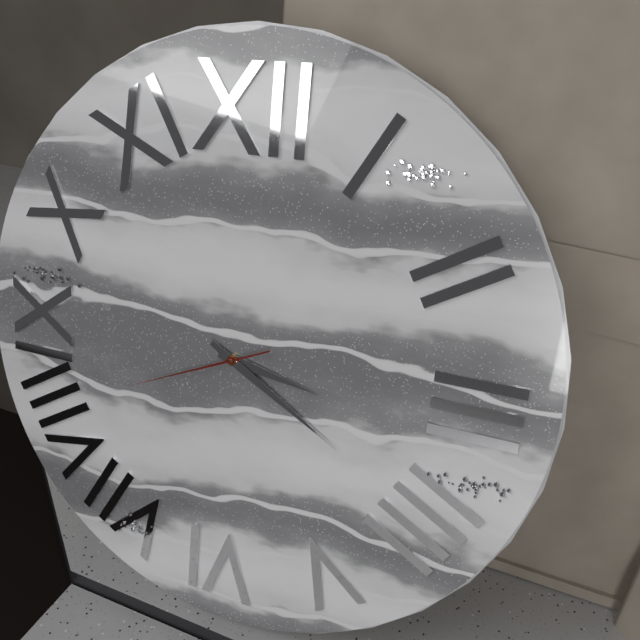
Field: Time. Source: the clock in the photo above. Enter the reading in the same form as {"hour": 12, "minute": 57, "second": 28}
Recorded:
{"hour": 3, "minute": 20, "second": 41}
